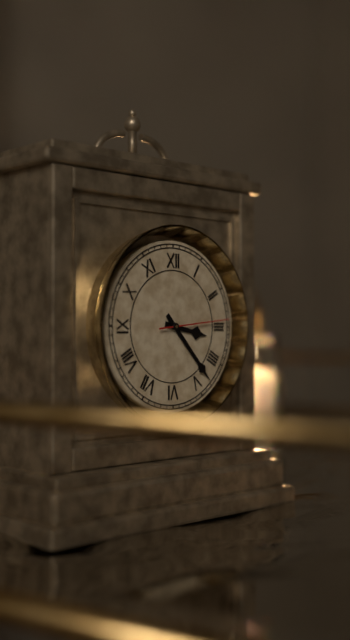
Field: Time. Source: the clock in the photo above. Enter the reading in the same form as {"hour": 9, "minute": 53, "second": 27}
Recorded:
{"hour": 3, "minute": 23, "second": 14}
